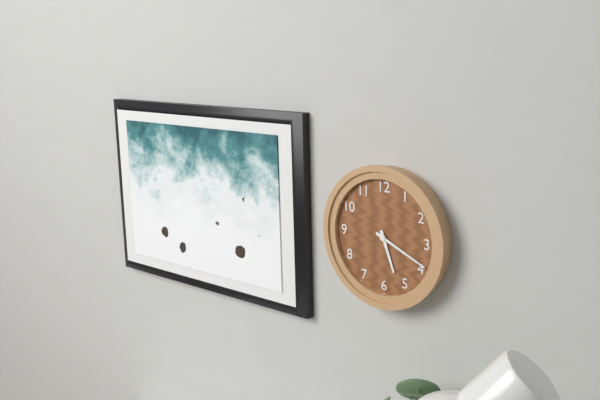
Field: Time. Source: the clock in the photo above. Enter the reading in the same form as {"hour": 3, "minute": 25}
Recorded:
{"hour": 5, "minute": 19}
